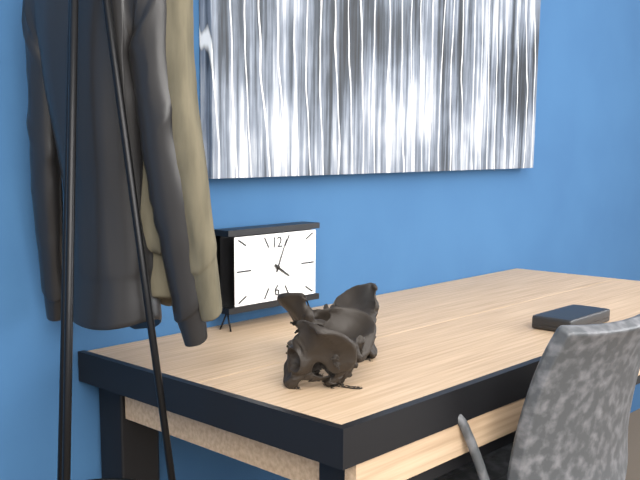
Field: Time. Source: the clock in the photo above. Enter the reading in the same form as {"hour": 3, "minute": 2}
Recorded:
{"hour": 4, "minute": 4}
